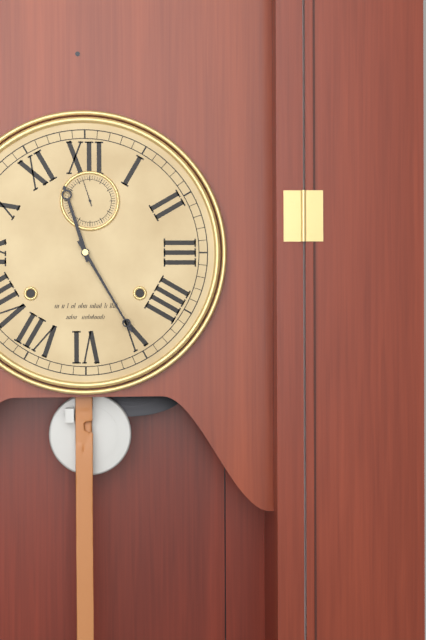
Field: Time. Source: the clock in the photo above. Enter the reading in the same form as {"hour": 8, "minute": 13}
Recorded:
{"hour": 11, "minute": 25}
